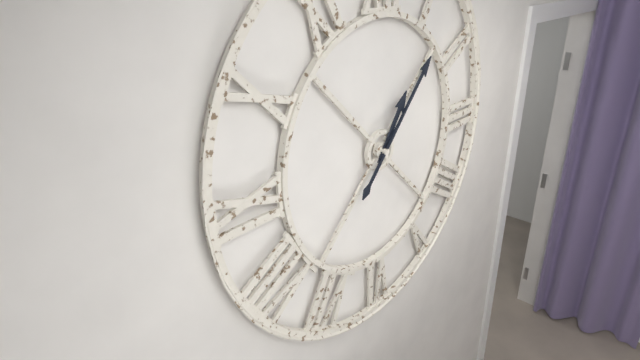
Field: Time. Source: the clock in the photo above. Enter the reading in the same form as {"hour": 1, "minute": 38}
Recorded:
{"hour": 1, "minute": 7}
